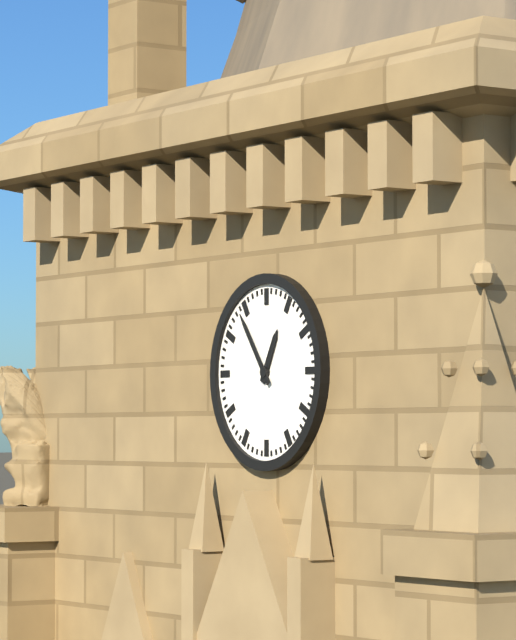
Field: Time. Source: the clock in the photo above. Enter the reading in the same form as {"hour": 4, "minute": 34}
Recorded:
{"hour": 12, "minute": 54}
